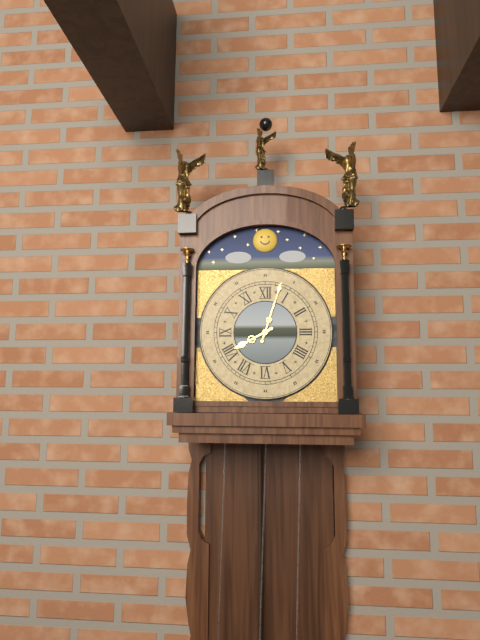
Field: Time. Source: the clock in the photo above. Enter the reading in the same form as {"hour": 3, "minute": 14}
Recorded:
{"hour": 8, "minute": 3}
